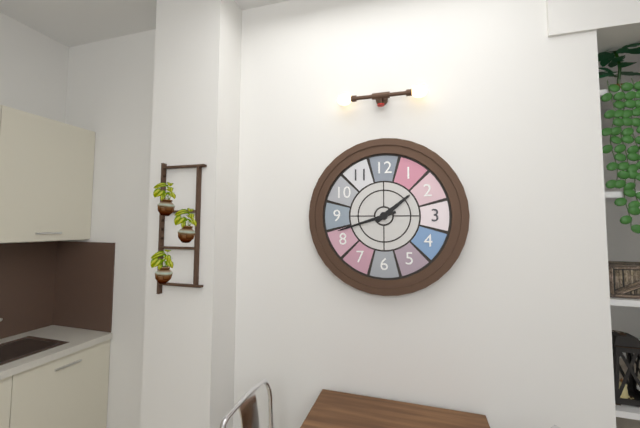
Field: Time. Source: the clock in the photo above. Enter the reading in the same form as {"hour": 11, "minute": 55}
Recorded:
{"hour": 1, "minute": 42}
